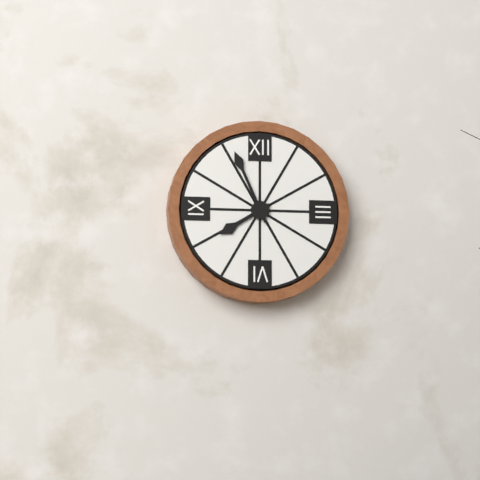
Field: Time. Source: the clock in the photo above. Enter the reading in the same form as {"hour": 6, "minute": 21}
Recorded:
{"hour": 7, "minute": 56}
